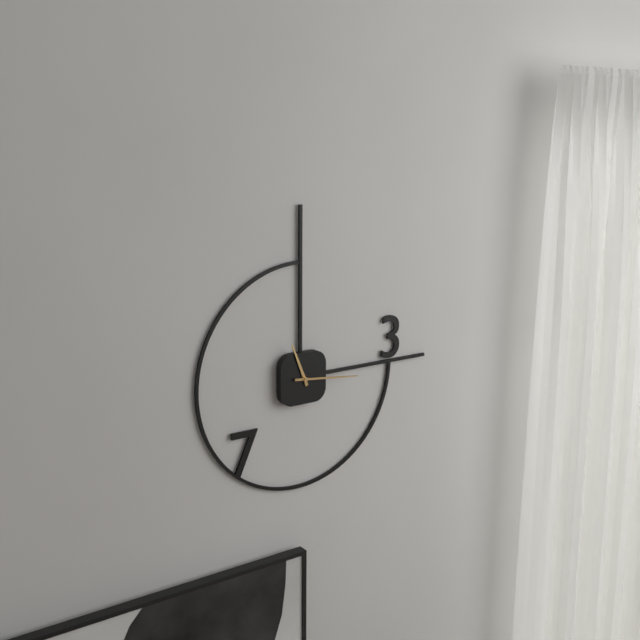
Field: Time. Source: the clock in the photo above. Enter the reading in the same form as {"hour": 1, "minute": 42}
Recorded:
{"hour": 11, "minute": 16}
